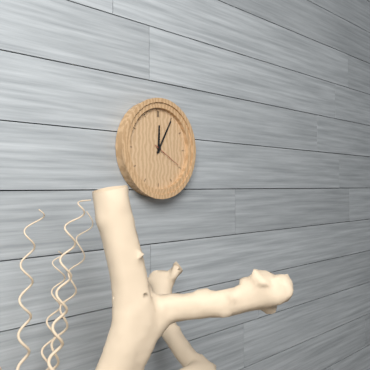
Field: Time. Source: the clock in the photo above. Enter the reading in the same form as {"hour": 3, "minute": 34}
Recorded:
{"hour": 12, "minute": 5}
